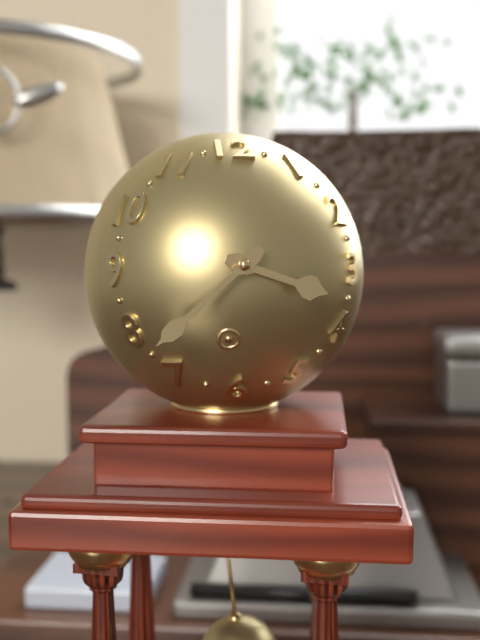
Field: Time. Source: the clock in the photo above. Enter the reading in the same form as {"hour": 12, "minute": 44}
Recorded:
{"hour": 3, "minute": 38}
